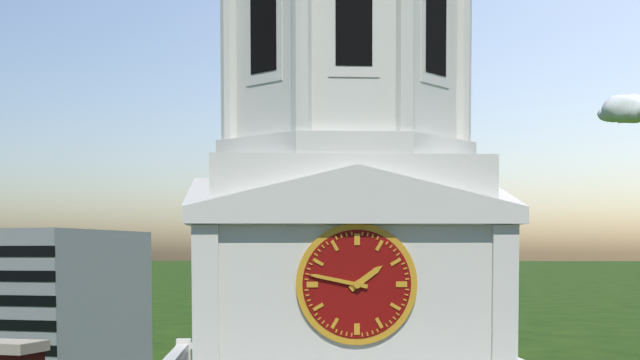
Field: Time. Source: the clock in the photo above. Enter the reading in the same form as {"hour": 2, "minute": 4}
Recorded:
{"hour": 1, "minute": 47}
